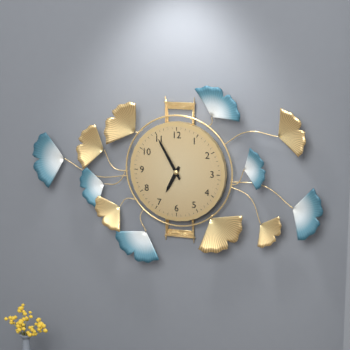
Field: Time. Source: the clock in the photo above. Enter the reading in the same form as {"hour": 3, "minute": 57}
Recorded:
{"hour": 6, "minute": 55}
